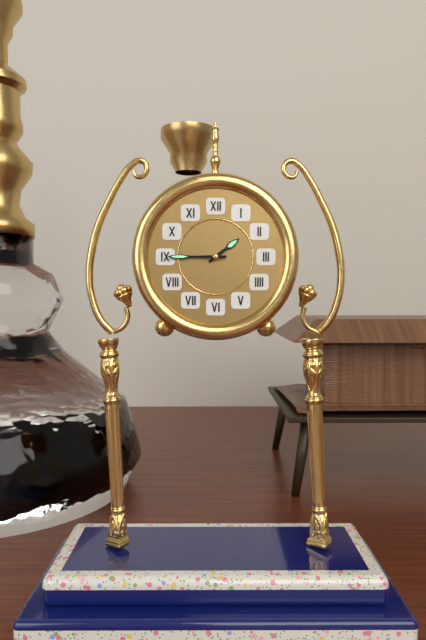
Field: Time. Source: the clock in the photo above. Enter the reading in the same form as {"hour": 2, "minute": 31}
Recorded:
{"hour": 1, "minute": 45}
